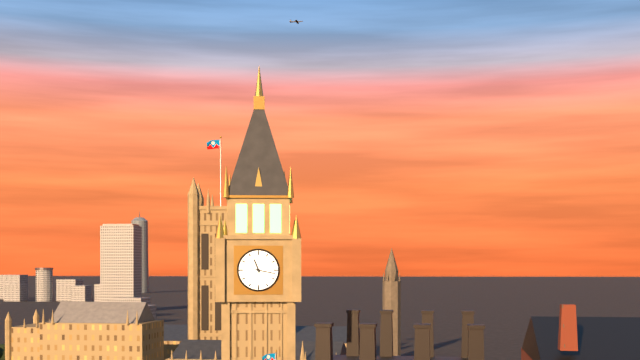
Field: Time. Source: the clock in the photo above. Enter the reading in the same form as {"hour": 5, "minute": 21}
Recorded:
{"hour": 11, "minute": 17}
